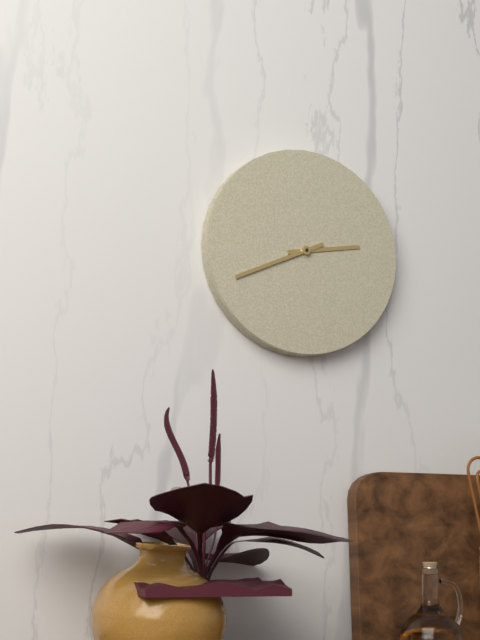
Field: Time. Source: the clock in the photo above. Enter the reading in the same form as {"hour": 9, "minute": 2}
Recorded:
{"hour": 2, "minute": 41}
